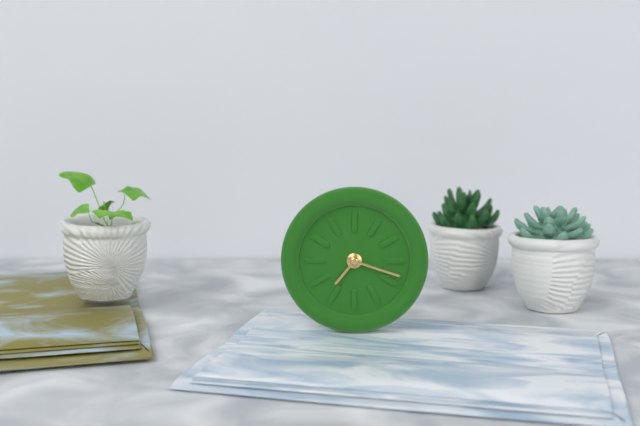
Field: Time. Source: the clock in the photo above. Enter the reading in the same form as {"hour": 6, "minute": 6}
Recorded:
{"hour": 7, "minute": 18}
